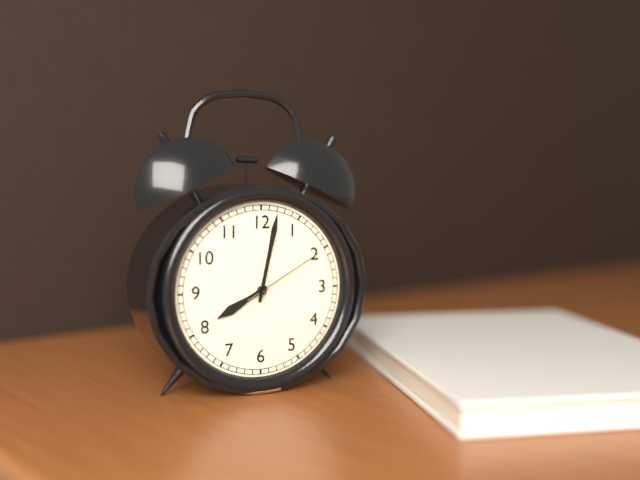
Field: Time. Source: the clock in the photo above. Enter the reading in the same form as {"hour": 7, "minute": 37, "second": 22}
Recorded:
{"hour": 8, "minute": 2, "second": 10}
